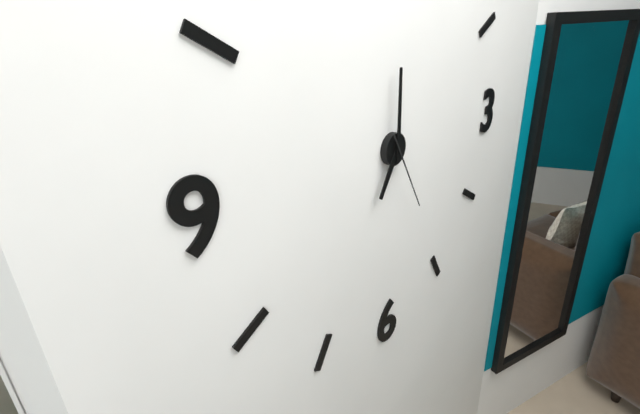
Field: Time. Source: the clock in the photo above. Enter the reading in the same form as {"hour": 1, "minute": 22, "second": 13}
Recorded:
{"hour": 7, "minute": 0, "second": 25}
